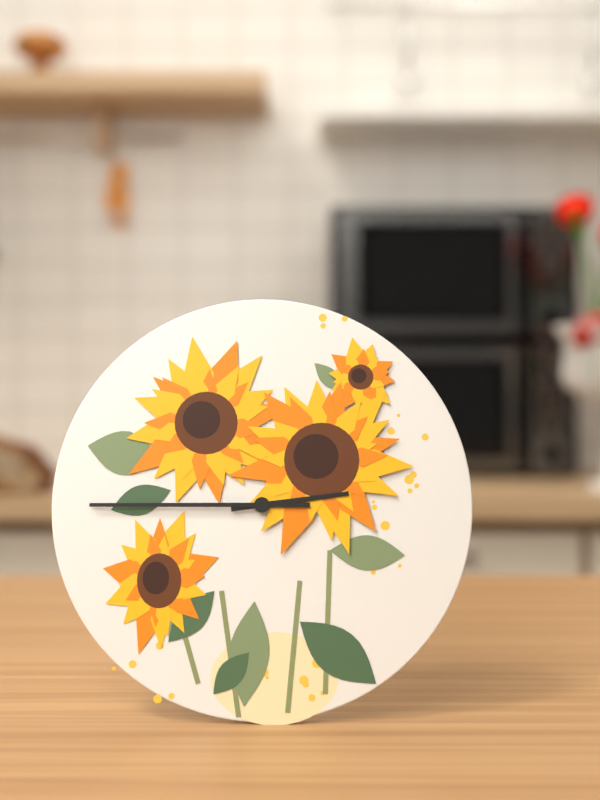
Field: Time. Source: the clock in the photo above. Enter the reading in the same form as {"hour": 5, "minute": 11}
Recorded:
{"hour": 2, "minute": 45}
